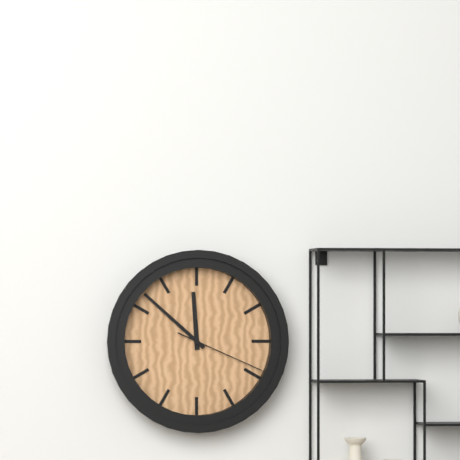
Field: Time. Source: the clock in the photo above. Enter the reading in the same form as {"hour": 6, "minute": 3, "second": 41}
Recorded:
{"hour": 11, "minute": 52, "second": 19}
